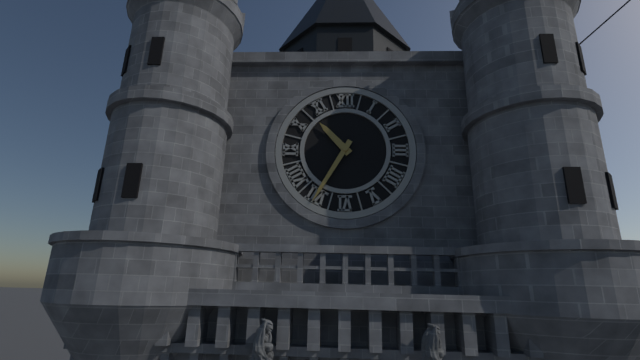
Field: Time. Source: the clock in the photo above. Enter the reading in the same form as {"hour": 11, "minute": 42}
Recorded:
{"hour": 10, "minute": 35}
